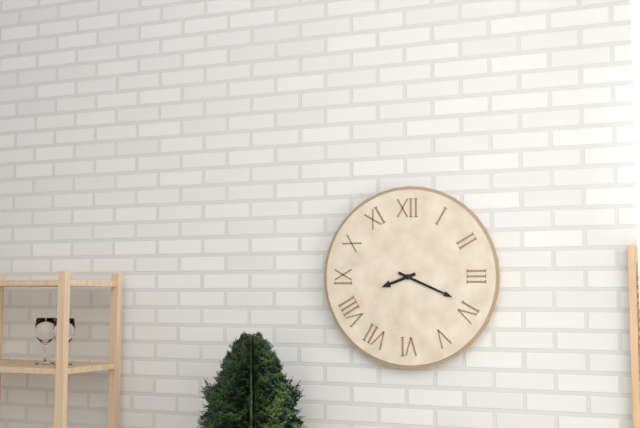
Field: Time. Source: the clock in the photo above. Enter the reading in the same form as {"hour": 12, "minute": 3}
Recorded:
{"hour": 8, "minute": 19}
